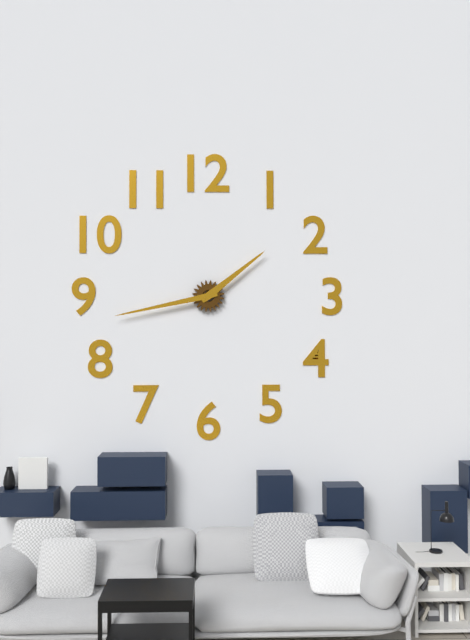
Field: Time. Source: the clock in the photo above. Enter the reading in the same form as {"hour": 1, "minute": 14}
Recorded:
{"hour": 1, "minute": 43}
